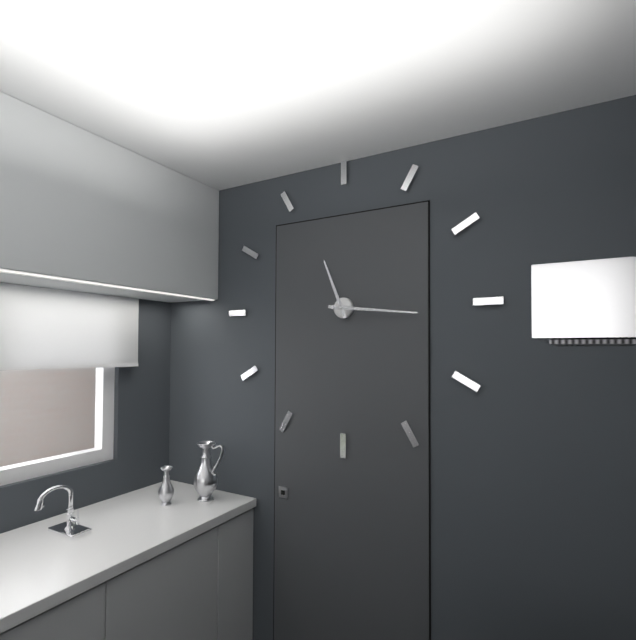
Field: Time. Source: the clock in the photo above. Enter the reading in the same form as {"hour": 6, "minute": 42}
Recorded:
{"hour": 11, "minute": 16}
